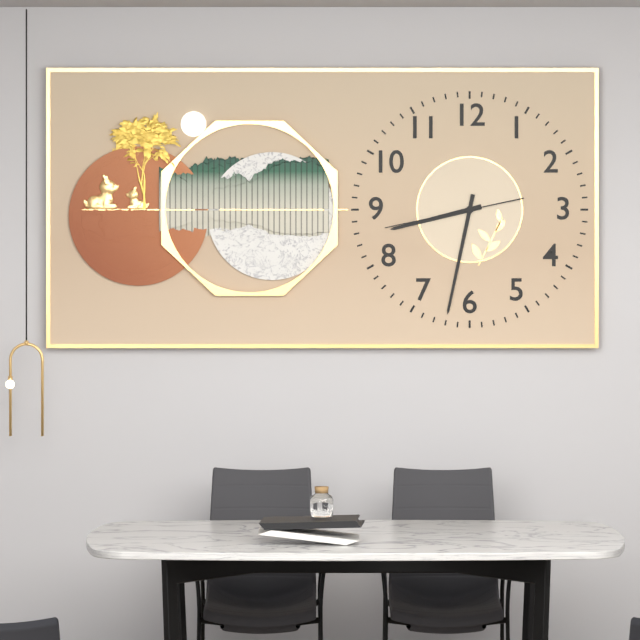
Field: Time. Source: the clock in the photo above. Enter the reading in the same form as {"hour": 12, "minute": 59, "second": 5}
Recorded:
{"hour": 8, "minute": 32, "second": 43}
